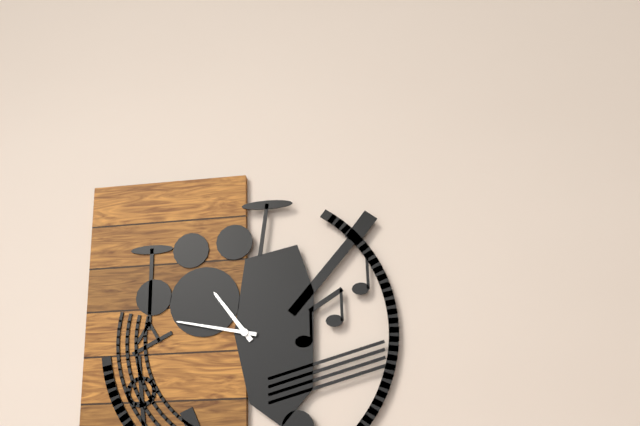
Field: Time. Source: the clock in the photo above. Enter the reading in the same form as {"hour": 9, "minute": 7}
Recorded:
{"hour": 10, "minute": 47}
